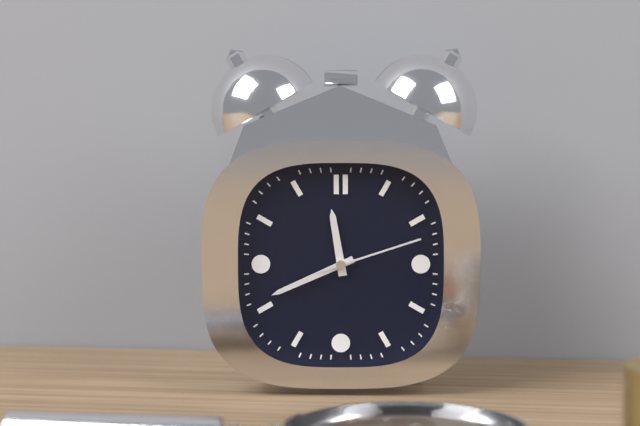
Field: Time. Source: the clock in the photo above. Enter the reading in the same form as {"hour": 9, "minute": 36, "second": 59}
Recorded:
{"hour": 11, "minute": 41, "second": 12}
